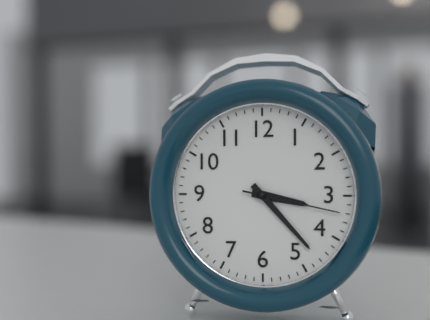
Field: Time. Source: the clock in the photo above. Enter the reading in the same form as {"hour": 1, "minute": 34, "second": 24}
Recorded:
{"hour": 3, "minute": 23, "second": 17}
